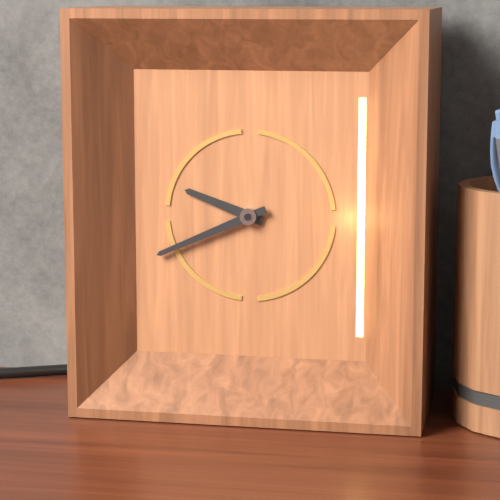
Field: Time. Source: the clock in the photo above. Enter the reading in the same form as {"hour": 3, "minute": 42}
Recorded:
{"hour": 9, "minute": 41}
